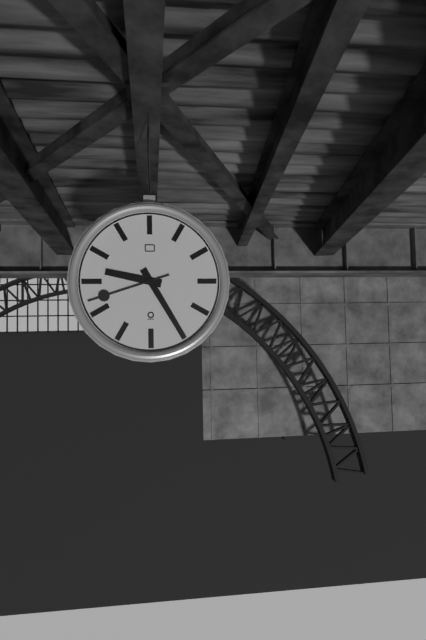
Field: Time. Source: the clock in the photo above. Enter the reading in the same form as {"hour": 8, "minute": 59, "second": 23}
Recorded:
{"hour": 9, "minute": 25, "second": 42}
